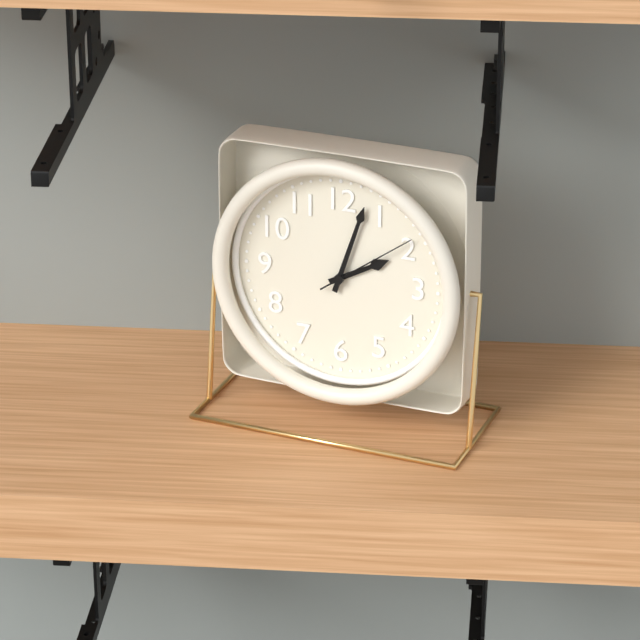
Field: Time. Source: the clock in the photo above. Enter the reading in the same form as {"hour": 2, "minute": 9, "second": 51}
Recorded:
{"hour": 2, "minute": 3, "second": 9}
